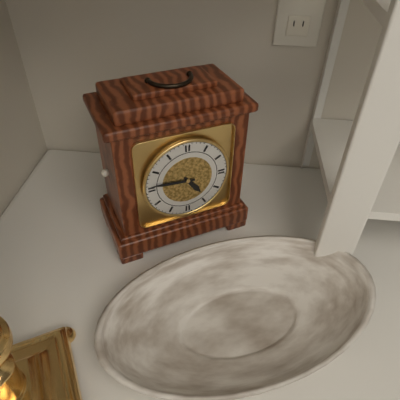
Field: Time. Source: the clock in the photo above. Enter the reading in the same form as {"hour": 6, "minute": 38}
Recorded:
{"hour": 4, "minute": 46}
